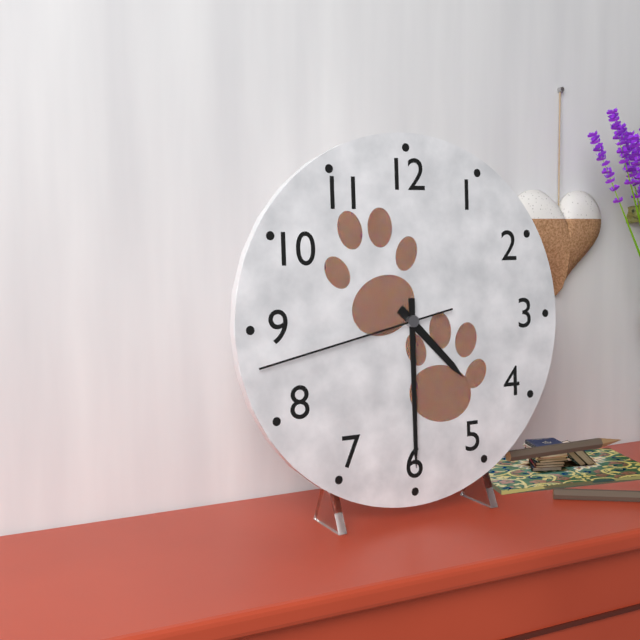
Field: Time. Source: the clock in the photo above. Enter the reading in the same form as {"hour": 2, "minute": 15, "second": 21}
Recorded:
{"hour": 4, "minute": 30, "second": 43}
